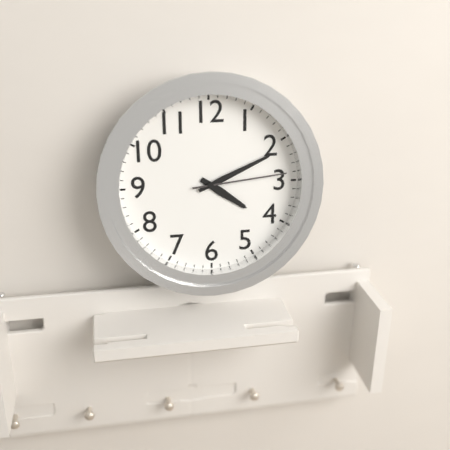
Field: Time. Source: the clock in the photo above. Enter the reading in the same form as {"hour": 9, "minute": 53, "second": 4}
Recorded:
{"hour": 4, "minute": 11, "second": 14}
